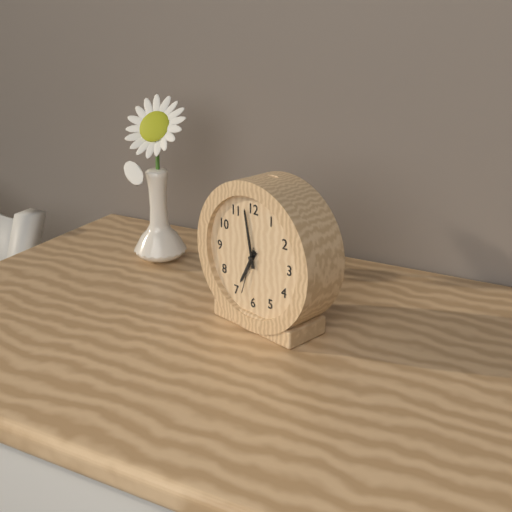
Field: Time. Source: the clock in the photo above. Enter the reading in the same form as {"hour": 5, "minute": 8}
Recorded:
{"hour": 6, "minute": 58}
